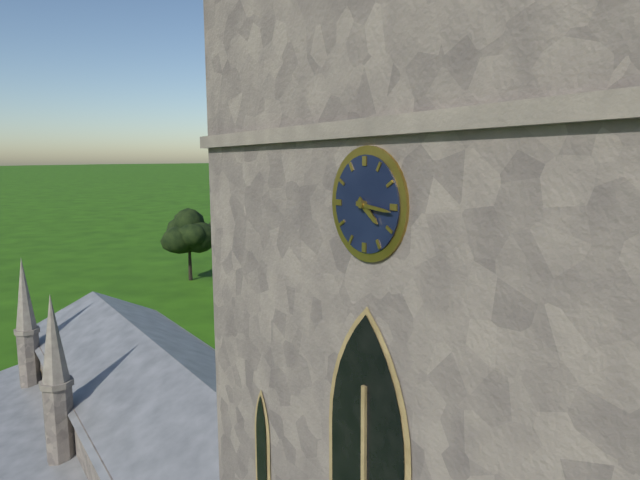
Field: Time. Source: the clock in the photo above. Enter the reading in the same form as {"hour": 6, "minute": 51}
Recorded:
{"hour": 4, "minute": 16}
